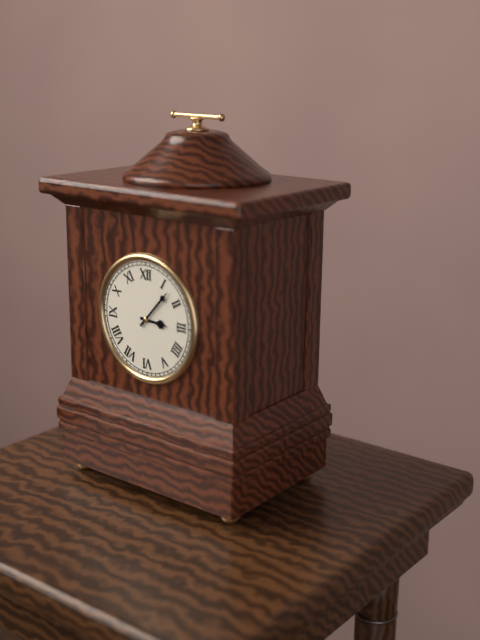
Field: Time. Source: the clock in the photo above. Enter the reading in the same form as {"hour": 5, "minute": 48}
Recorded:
{"hour": 3, "minute": 7}
